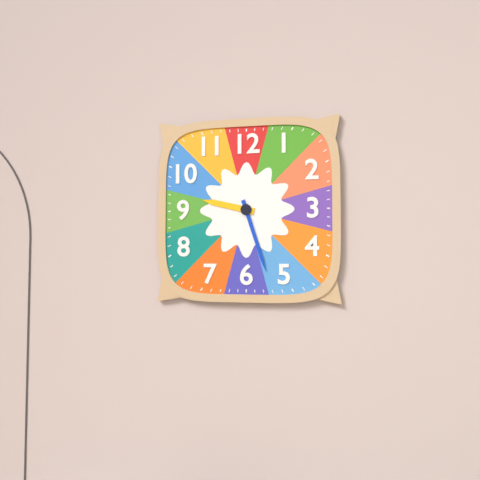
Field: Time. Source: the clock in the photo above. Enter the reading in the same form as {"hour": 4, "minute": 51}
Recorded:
{"hour": 9, "minute": 27}
